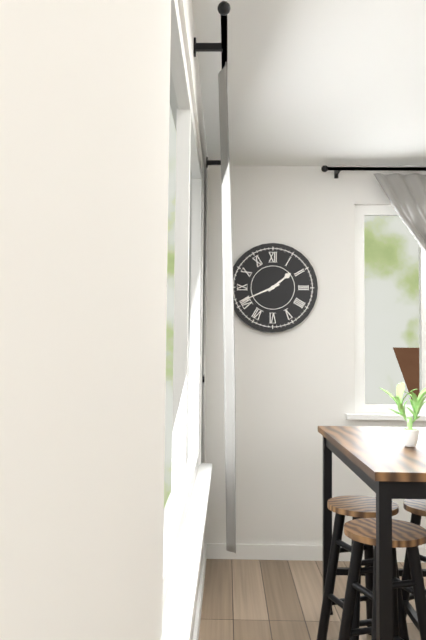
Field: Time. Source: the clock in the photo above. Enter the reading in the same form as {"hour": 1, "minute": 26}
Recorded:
{"hour": 1, "minute": 41}
